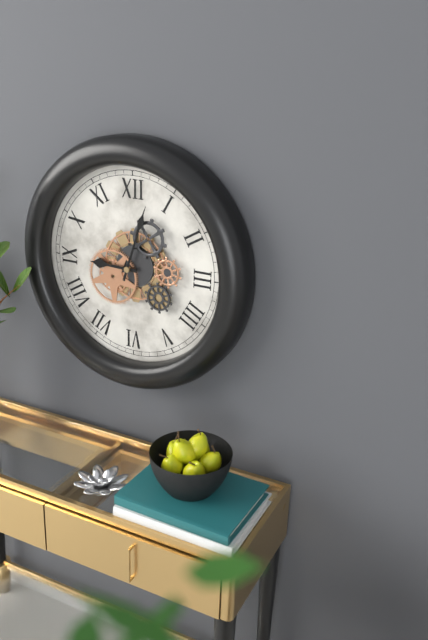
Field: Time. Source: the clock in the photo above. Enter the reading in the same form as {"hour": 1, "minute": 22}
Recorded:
{"hour": 9, "minute": 3}
